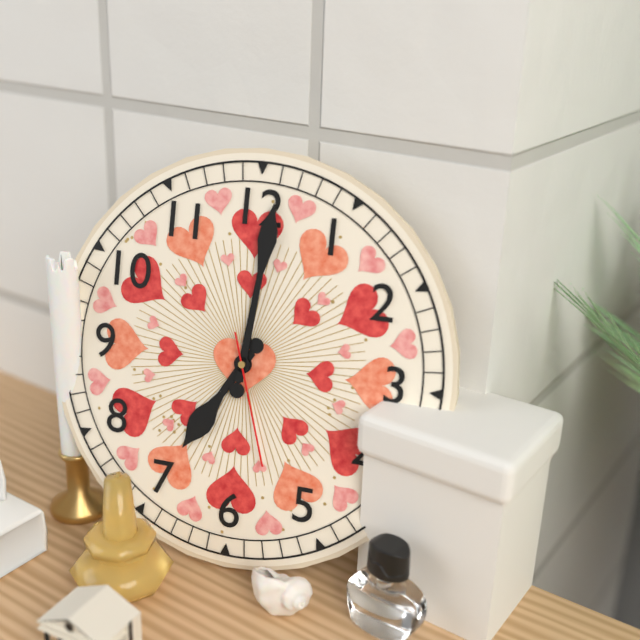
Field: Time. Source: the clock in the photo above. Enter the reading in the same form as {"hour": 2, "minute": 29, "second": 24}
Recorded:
{"hour": 7, "minute": 1, "second": 27}
